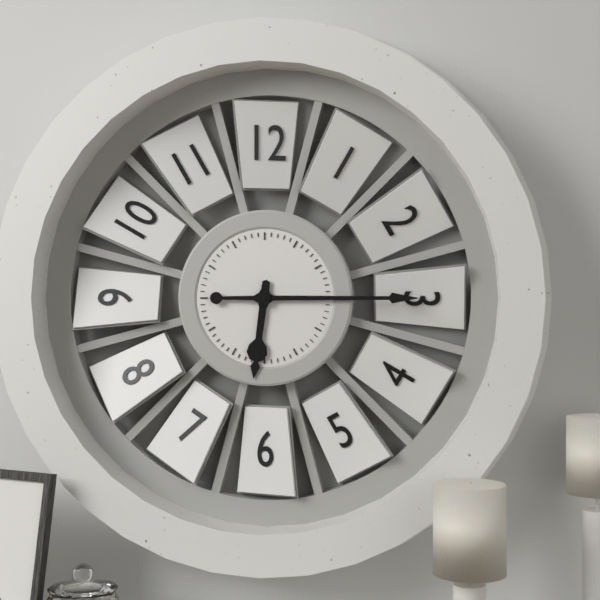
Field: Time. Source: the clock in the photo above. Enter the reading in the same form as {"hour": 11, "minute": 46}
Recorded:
{"hour": 6, "minute": 15}
